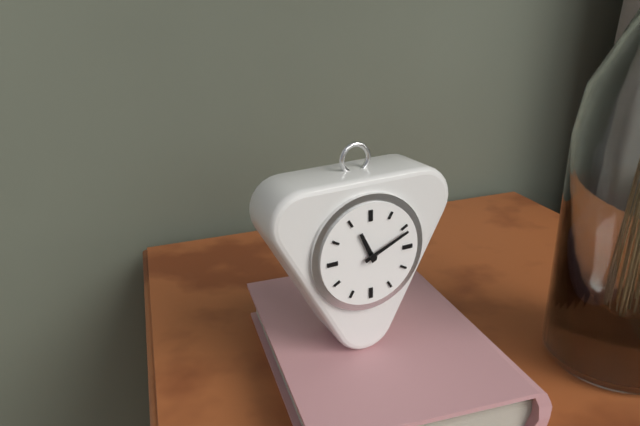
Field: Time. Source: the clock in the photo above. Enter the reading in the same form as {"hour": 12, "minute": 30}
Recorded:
{"hour": 11, "minute": 11}
